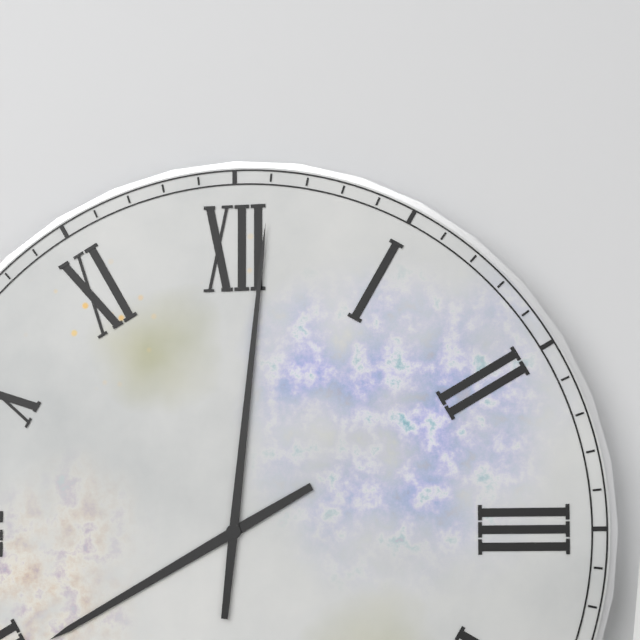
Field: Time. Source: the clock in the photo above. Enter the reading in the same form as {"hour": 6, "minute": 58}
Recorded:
{"hour": 8, "minute": 1}
